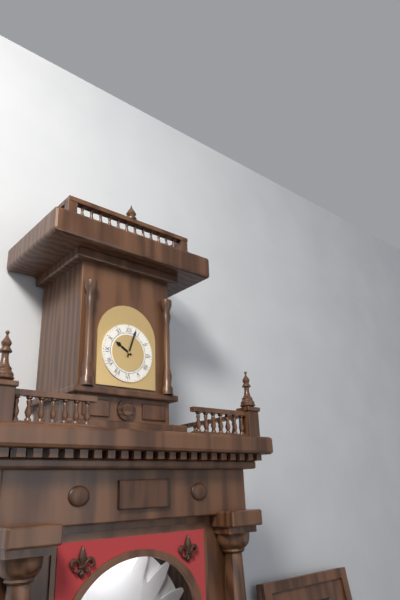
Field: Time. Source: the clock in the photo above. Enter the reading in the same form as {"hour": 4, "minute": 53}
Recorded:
{"hour": 10, "minute": 3}
